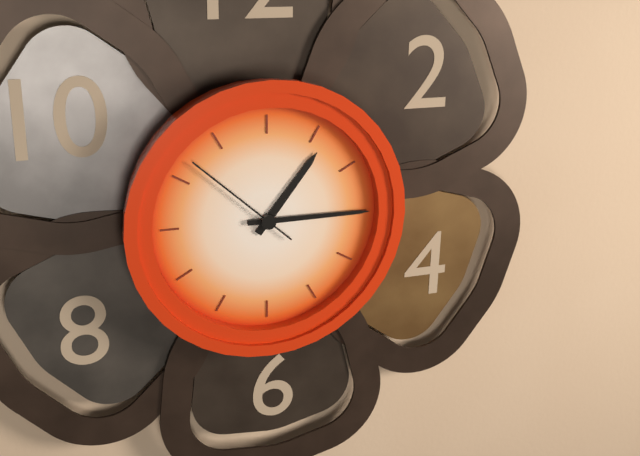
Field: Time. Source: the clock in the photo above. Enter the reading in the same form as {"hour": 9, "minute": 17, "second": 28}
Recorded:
{"hour": 1, "minute": 15, "second": 52}
